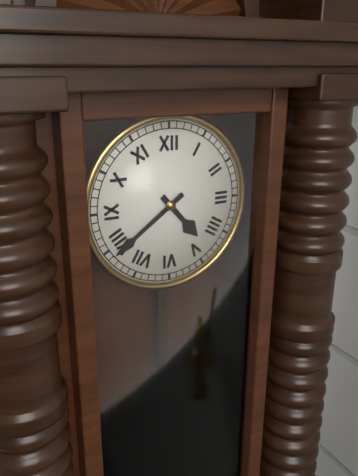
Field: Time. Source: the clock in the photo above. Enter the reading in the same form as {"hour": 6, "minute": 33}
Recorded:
{"hour": 4, "minute": 39}
